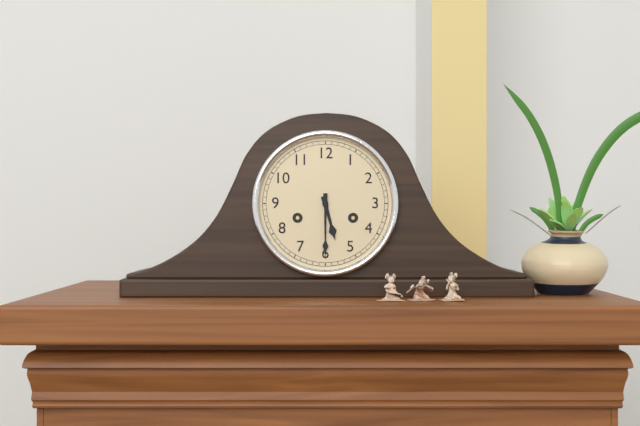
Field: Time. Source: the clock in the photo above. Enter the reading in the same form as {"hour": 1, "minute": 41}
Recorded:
{"hour": 5, "minute": 30}
